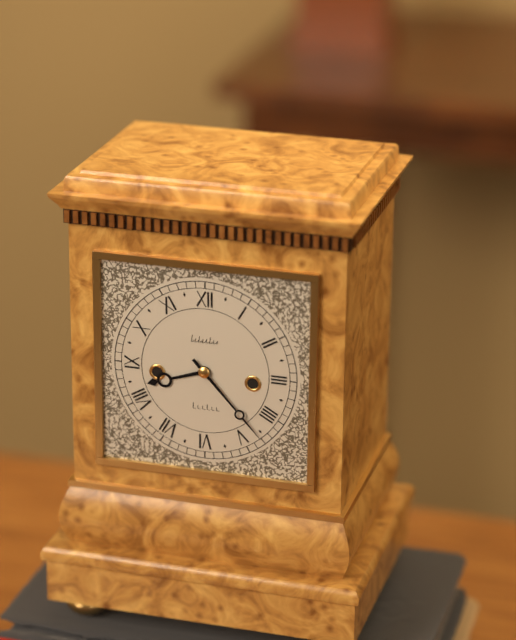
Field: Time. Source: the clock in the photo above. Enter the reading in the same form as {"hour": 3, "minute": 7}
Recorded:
{"hour": 8, "minute": 23}
